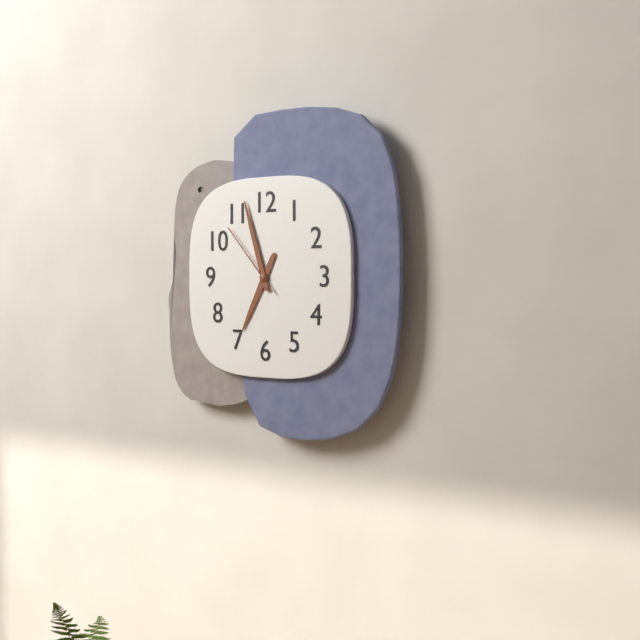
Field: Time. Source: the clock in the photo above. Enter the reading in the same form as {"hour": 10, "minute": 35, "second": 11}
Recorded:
{"hour": 6, "minute": 57, "second": 53}
